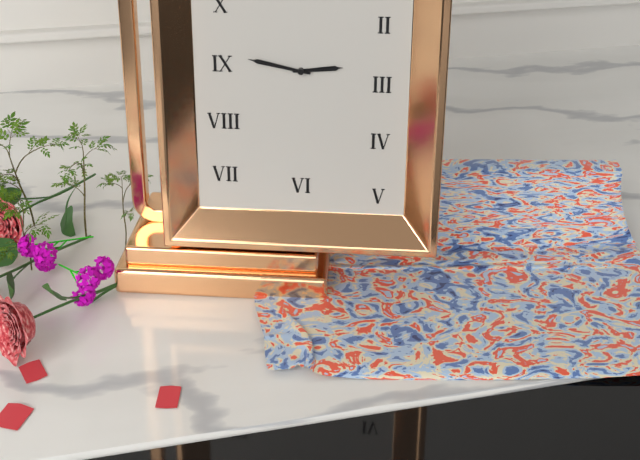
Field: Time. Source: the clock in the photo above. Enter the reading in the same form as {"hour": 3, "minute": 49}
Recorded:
{"hour": 2, "minute": 47}
